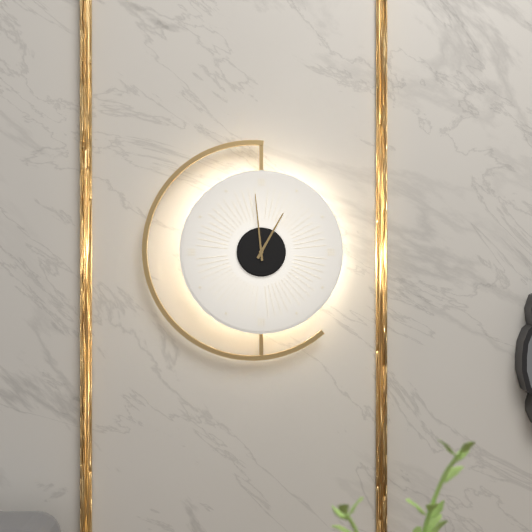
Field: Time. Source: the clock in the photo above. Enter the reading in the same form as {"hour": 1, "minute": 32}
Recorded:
{"hour": 12, "minute": 59}
